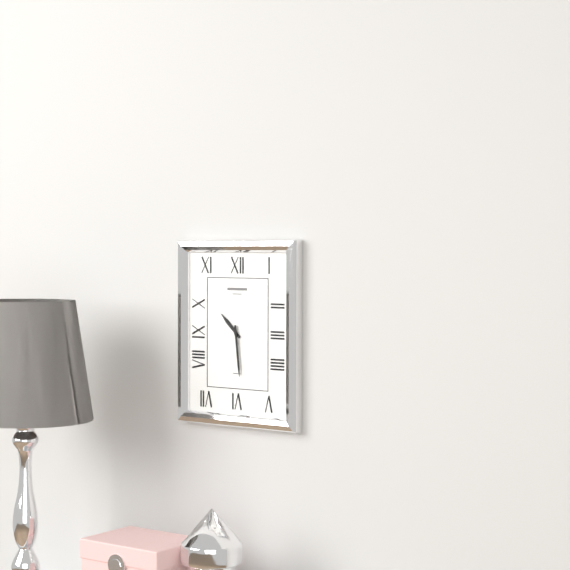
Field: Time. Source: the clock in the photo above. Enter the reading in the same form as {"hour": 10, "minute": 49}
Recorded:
{"hour": 10, "minute": 29}
